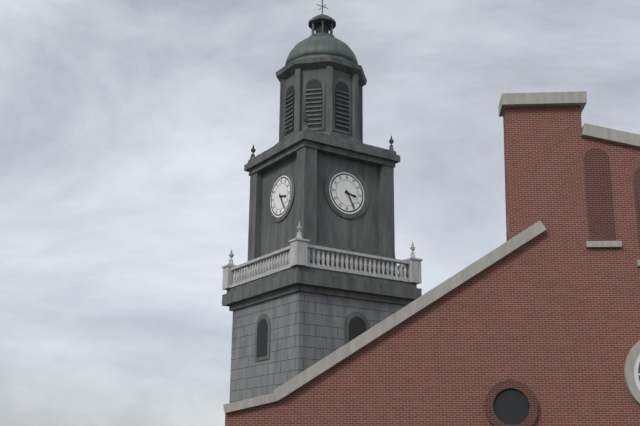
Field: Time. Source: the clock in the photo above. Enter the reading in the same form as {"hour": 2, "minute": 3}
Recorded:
{"hour": 3, "minute": 25}
